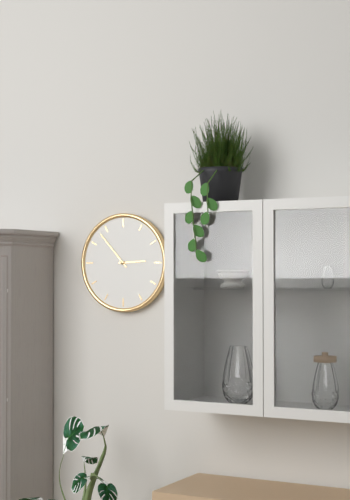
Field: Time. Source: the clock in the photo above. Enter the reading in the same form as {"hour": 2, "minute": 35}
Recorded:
{"hour": 2, "minute": 53}
